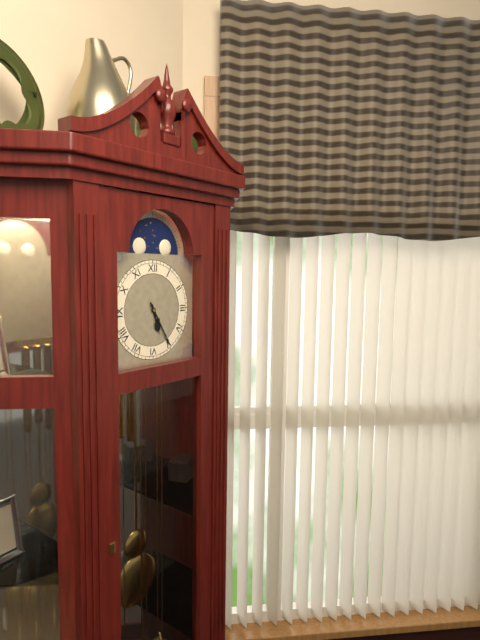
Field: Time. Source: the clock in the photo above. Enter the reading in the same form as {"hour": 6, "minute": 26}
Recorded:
{"hour": 5, "minute": 25}
